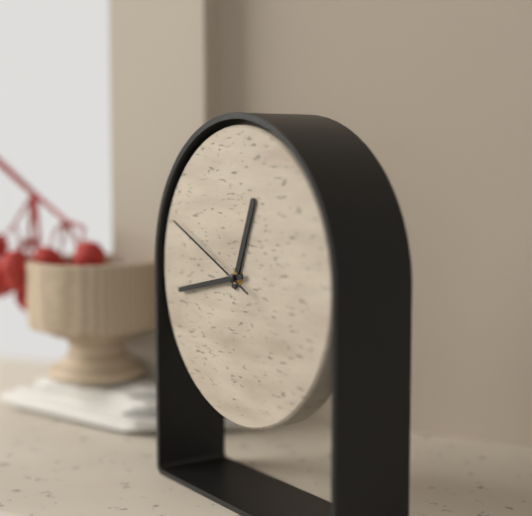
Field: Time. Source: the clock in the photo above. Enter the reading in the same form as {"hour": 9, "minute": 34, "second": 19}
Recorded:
{"hour": 12, "minute": 43, "second": 49}
